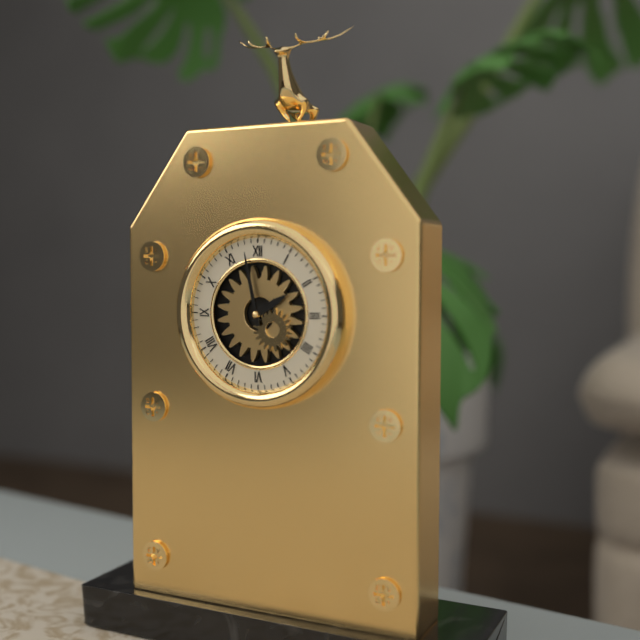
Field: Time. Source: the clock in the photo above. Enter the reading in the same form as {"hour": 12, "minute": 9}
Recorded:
{"hour": 1, "minute": 58}
